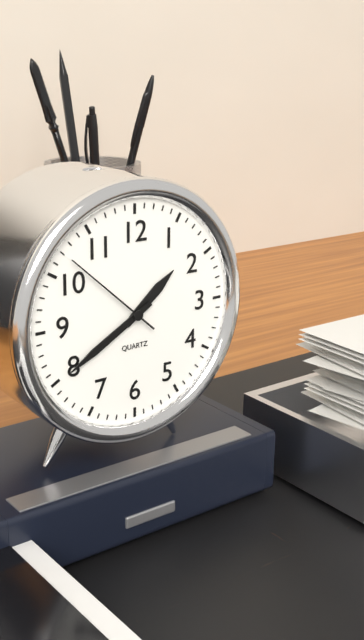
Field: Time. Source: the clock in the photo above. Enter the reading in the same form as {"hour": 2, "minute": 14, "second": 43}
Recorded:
{"hour": 1, "minute": 40, "second": 52}
